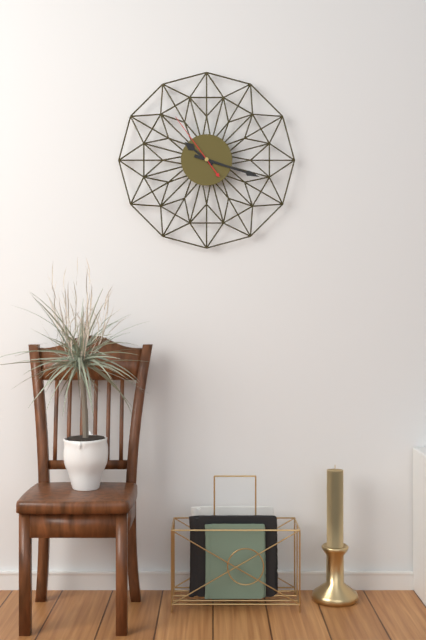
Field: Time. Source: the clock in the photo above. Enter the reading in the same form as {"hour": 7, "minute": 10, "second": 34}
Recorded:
{"hour": 10, "minute": 18, "second": 54}
